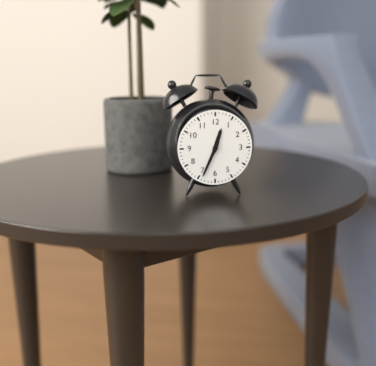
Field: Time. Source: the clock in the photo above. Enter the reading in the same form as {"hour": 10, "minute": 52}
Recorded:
{"hour": 12, "minute": 34}
